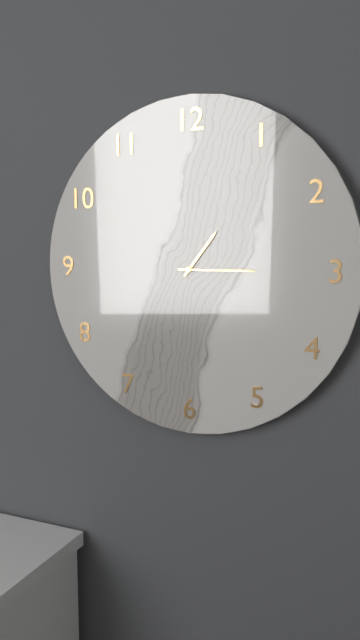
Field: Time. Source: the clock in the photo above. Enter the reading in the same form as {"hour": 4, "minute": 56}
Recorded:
{"hour": 1, "minute": 15}
